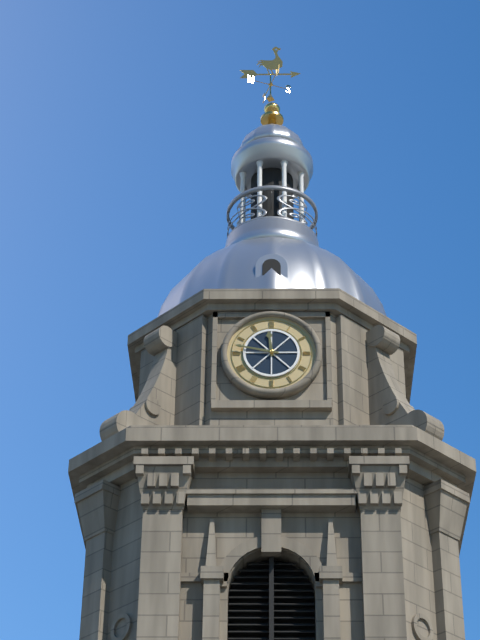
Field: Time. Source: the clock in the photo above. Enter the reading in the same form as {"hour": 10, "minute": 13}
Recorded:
{"hour": 11, "minute": 47}
